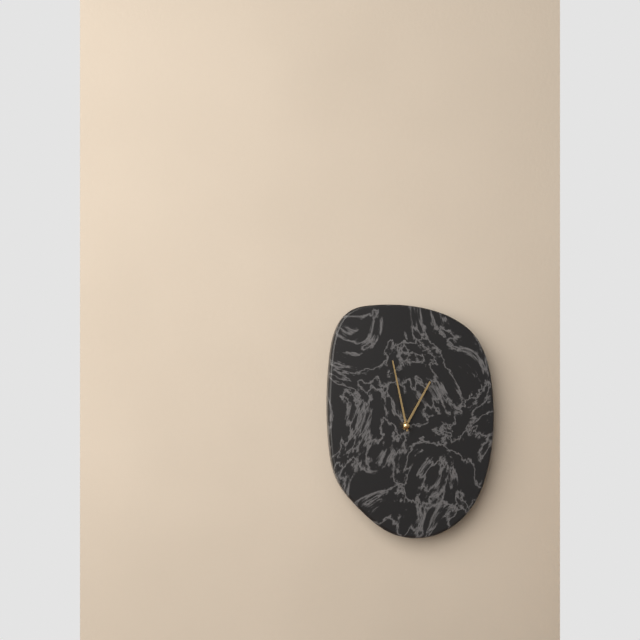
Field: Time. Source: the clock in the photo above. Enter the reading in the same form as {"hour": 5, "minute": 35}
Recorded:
{"hour": 12, "minute": 58}
